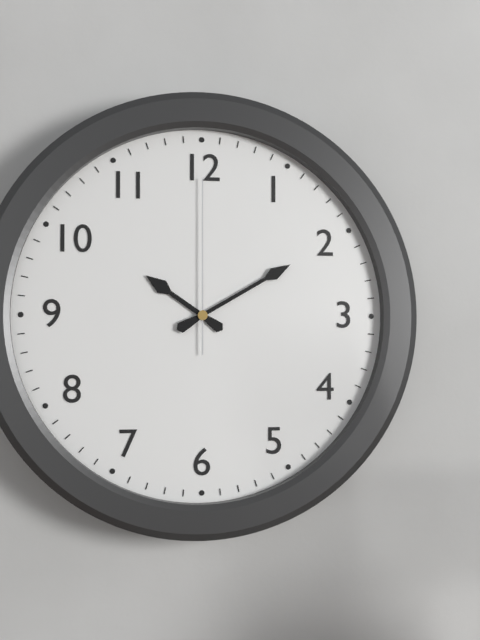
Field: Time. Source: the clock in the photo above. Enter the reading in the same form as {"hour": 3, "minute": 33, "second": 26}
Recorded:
{"hour": 10, "minute": 10, "second": 0}
